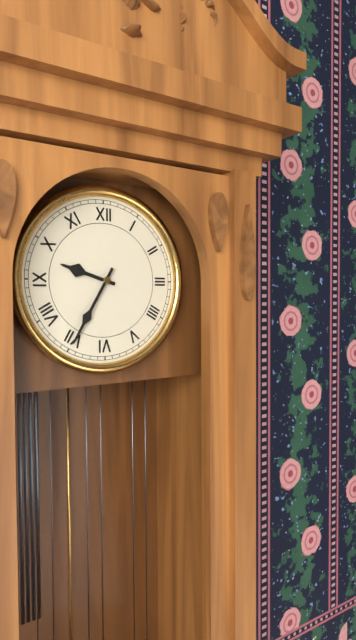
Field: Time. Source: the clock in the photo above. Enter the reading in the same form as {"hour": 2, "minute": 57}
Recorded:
{"hour": 9, "minute": 35}
